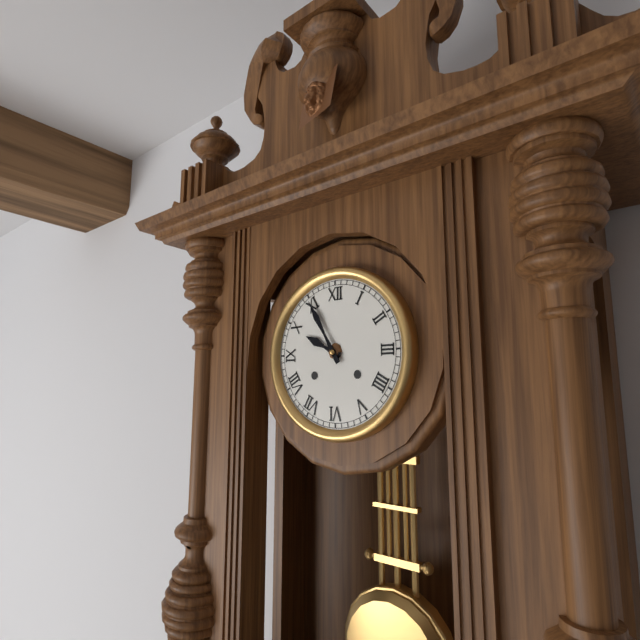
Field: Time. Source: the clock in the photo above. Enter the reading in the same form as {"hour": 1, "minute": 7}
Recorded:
{"hour": 9, "minute": 55}
